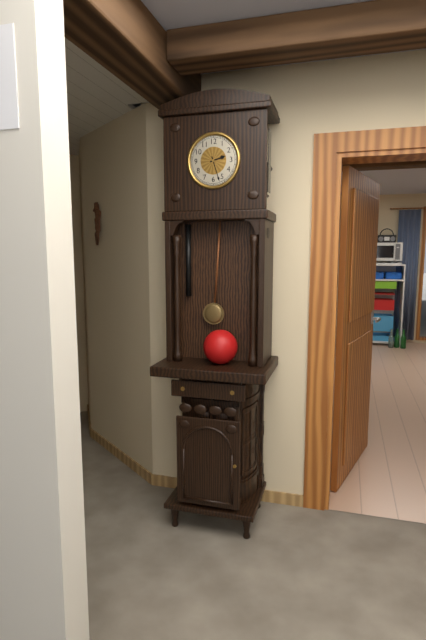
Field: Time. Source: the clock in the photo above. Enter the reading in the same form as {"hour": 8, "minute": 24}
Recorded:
{"hour": 2, "minute": 27}
